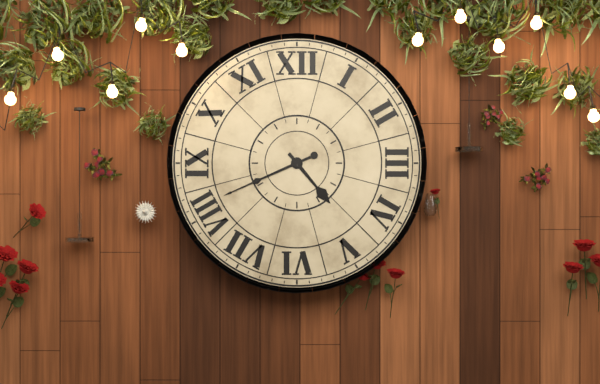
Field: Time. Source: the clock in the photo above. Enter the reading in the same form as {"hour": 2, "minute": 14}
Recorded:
{"hour": 4, "minute": 41}
